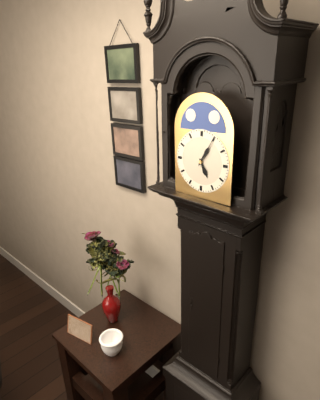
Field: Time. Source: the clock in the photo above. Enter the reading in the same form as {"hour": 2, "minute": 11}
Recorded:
{"hour": 5, "minute": 5}
